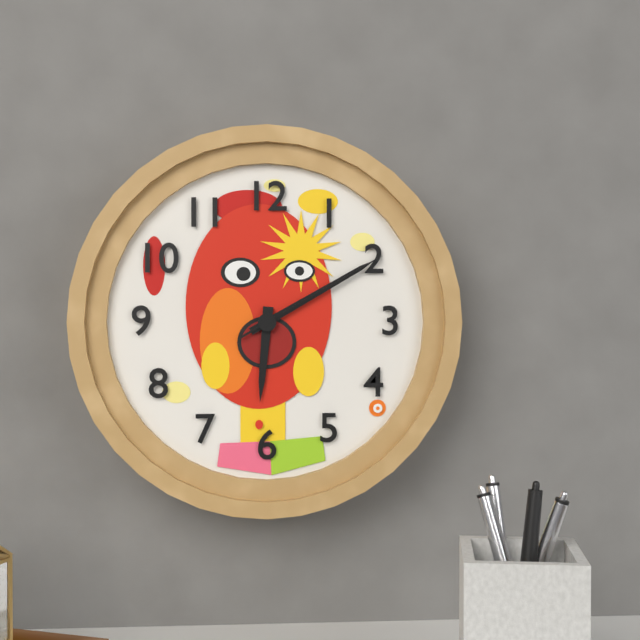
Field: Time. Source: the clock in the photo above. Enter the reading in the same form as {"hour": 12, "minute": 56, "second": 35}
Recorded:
{"hour": 6, "minute": 10, "second": 10}
